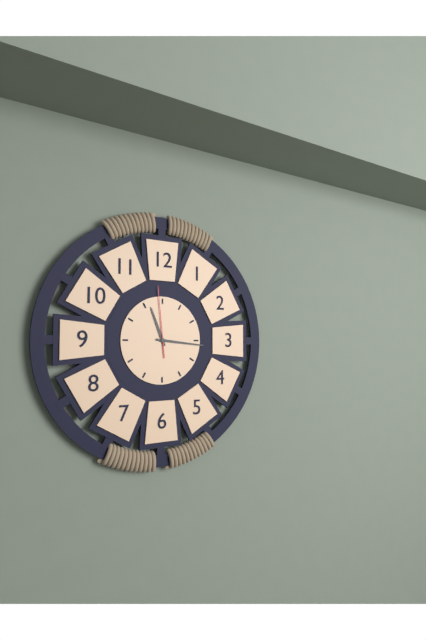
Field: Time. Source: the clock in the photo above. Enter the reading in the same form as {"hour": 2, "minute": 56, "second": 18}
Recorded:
{"hour": 11, "minute": 16, "second": 59}
